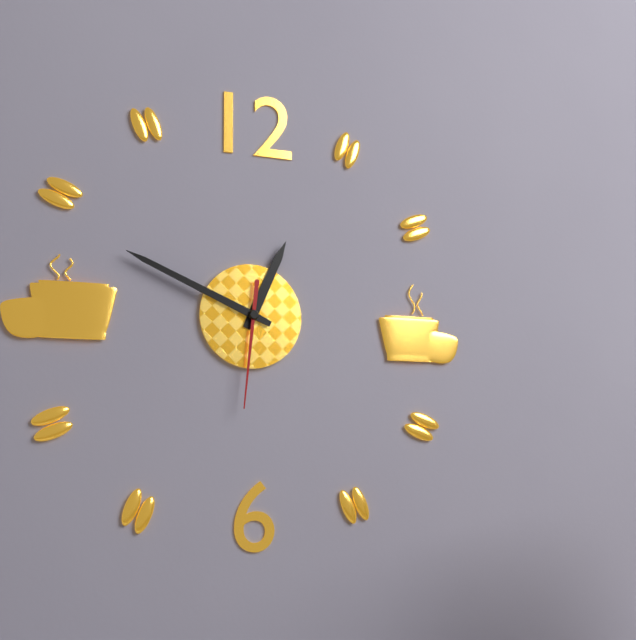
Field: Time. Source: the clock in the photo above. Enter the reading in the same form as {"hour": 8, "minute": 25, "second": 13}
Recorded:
{"hour": 12, "minute": 49, "second": 31}
